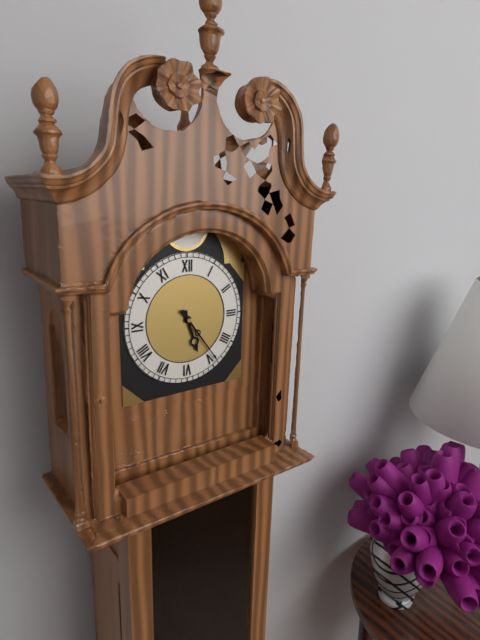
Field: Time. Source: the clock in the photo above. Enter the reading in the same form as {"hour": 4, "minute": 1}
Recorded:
{"hour": 5, "minute": 24}
